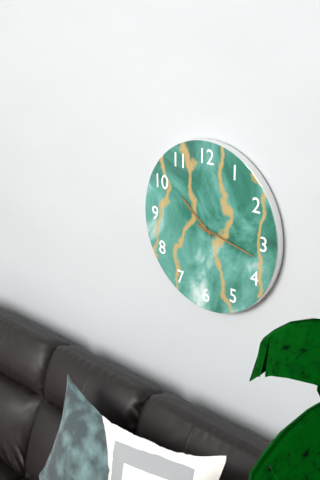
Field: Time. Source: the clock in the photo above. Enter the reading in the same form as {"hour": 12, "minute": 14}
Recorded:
{"hour": 10, "minute": 17}
